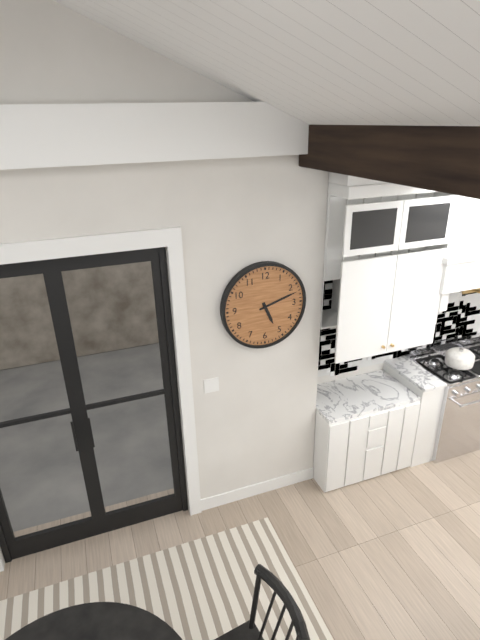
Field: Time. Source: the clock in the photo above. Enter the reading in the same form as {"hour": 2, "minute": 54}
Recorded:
{"hour": 5, "minute": 12}
